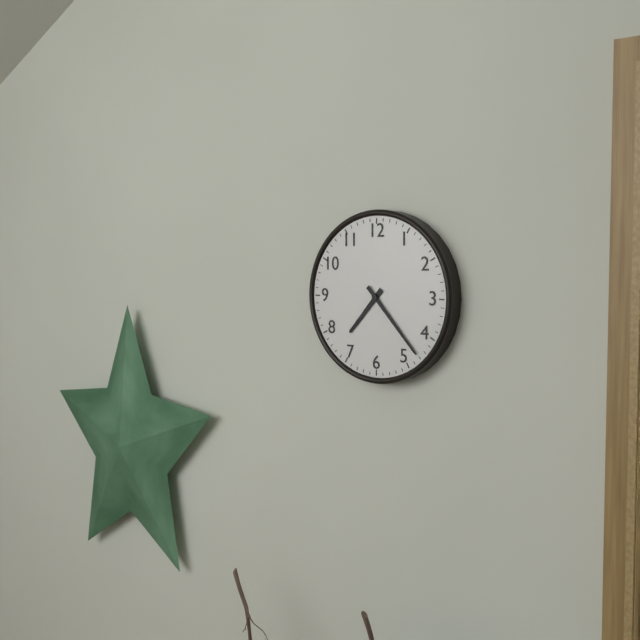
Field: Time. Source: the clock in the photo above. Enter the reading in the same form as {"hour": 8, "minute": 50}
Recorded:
{"hour": 7, "minute": 23}
